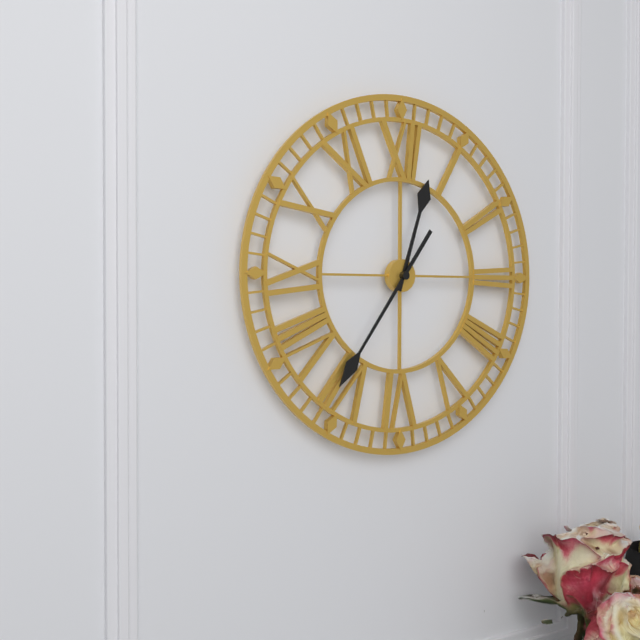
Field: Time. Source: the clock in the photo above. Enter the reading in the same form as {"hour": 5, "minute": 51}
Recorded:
{"hour": 12, "minute": 36}
